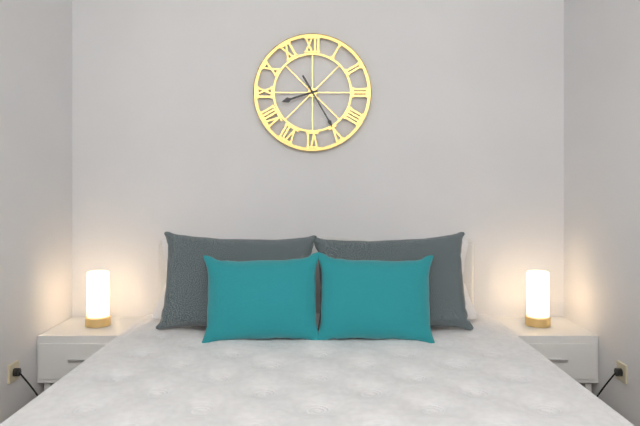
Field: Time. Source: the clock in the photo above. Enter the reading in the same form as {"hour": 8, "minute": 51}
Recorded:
{"hour": 8, "minute": 25}
